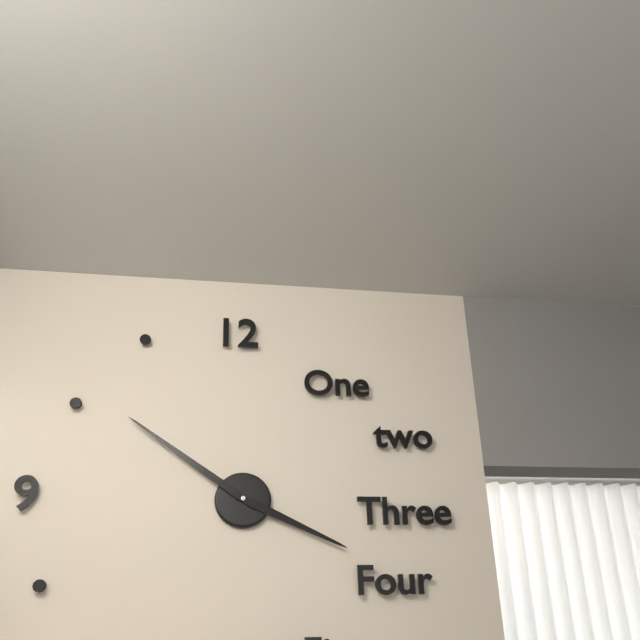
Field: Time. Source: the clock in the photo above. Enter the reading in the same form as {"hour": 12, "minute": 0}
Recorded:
{"hour": 3, "minute": 51}
